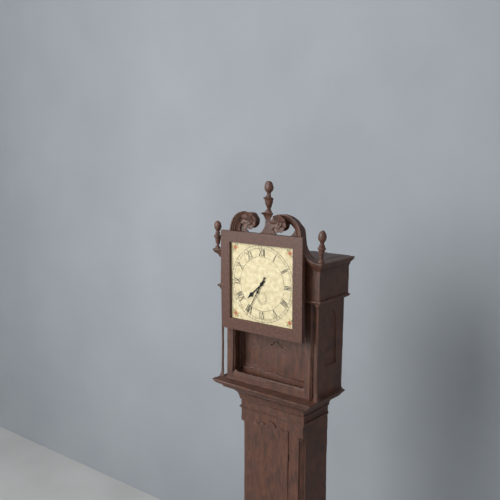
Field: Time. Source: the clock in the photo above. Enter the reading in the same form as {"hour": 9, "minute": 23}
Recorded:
{"hour": 7, "minute": 35}
